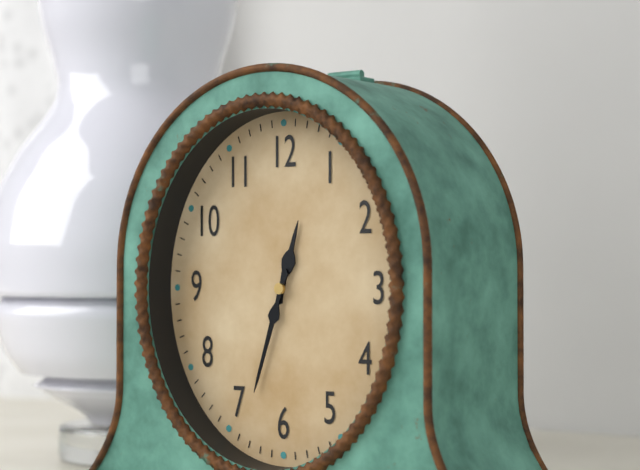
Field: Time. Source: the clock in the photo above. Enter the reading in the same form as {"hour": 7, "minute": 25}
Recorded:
{"hour": 12, "minute": 33}
